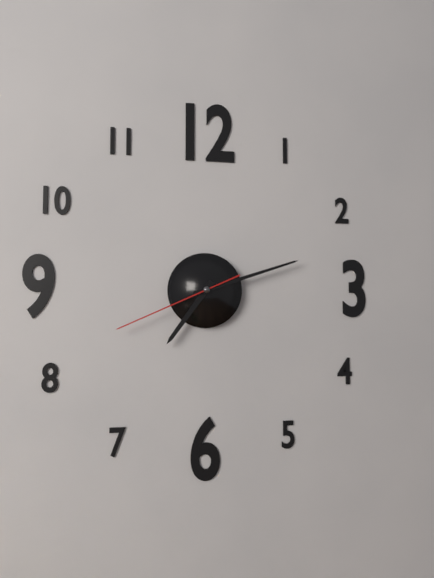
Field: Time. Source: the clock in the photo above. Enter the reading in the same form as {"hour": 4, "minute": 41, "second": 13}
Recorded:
{"hour": 7, "minute": 12, "second": 41}
